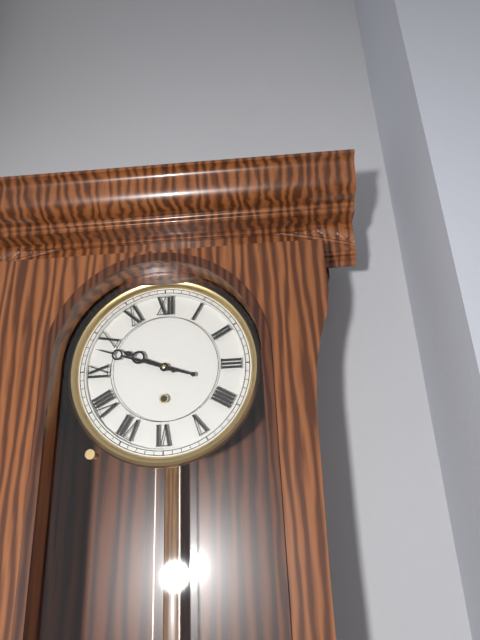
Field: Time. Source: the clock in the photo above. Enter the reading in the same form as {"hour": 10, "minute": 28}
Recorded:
{"hour": 9, "minute": 48}
